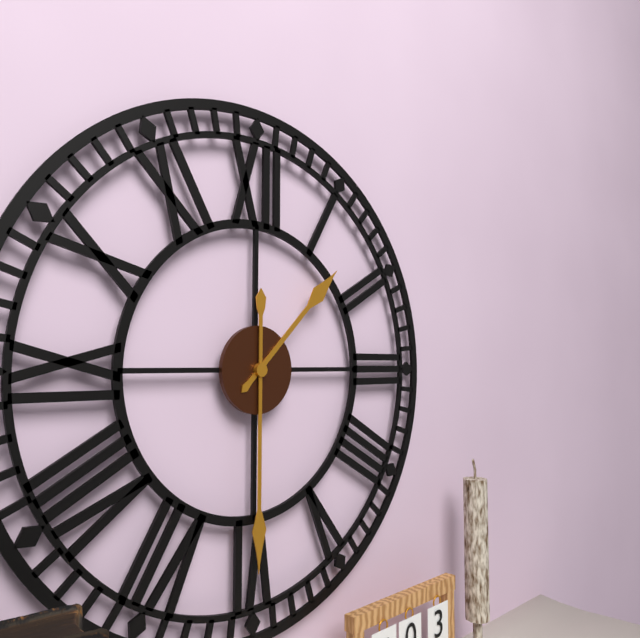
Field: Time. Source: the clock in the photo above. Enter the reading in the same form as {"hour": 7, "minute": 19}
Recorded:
{"hour": 1, "minute": 30}
